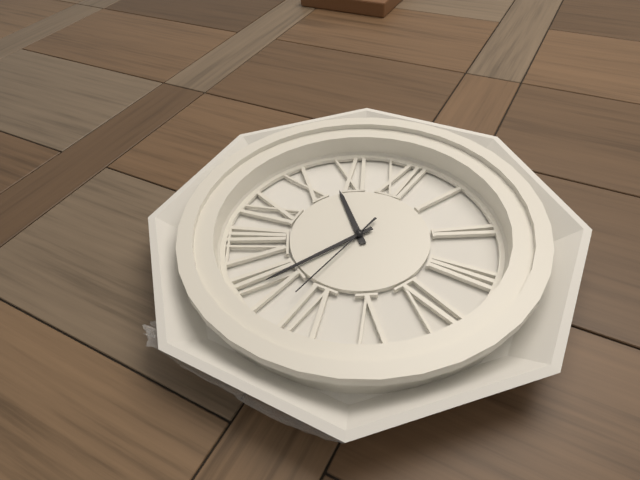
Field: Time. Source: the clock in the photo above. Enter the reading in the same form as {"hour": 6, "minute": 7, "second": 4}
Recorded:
{"hour": 10, "minute": 35, "second": 32}
